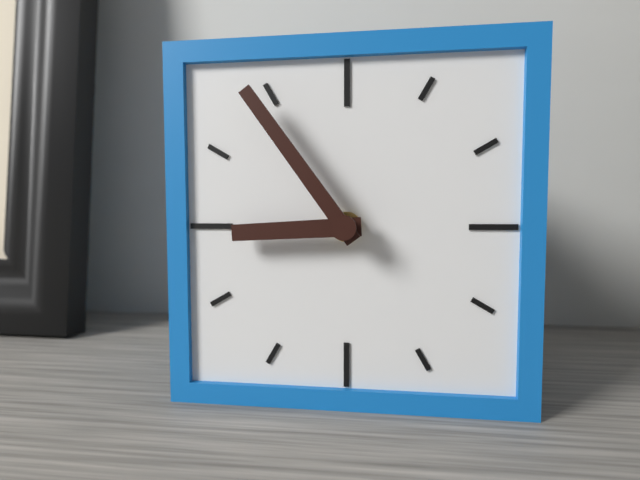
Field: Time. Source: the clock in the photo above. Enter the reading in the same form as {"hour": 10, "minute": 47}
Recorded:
{"hour": 8, "minute": 54}
